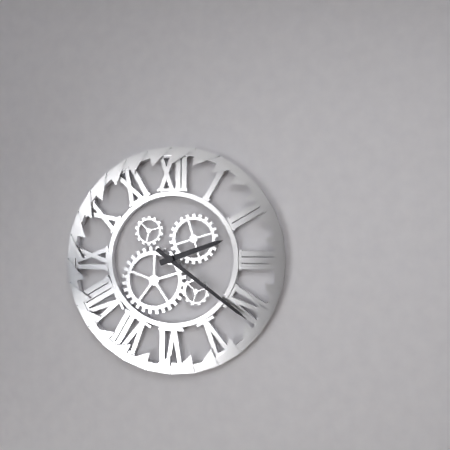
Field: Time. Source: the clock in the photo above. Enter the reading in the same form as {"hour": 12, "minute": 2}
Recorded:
{"hour": 2, "minute": 21}
